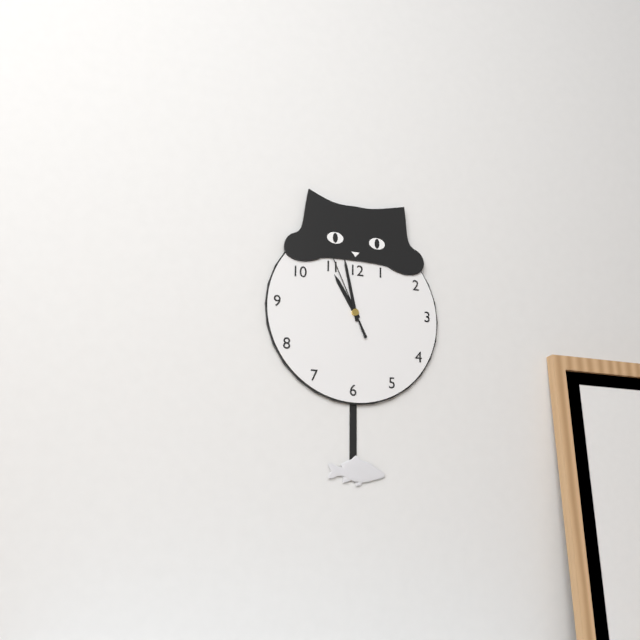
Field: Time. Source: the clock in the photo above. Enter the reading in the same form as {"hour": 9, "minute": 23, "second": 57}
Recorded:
{"hour": 10, "minute": 58, "second": 56}
